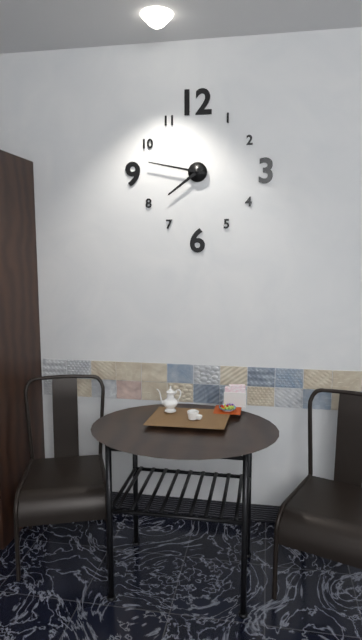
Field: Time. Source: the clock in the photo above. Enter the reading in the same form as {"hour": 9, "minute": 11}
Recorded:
{"hour": 7, "minute": 47}
